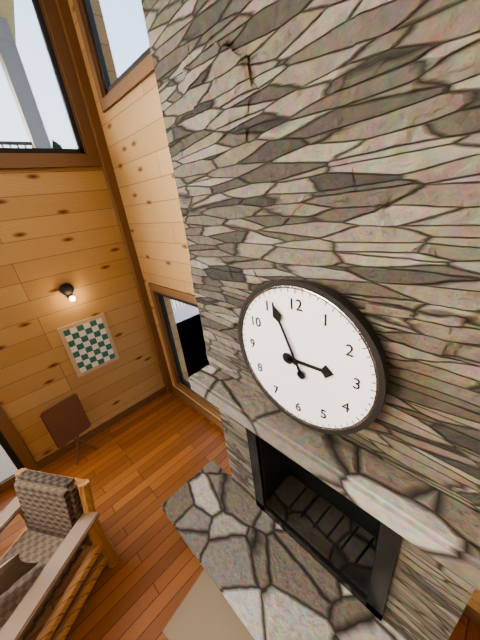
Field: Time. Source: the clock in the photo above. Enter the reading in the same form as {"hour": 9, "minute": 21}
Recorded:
{"hour": 2, "minute": 56}
